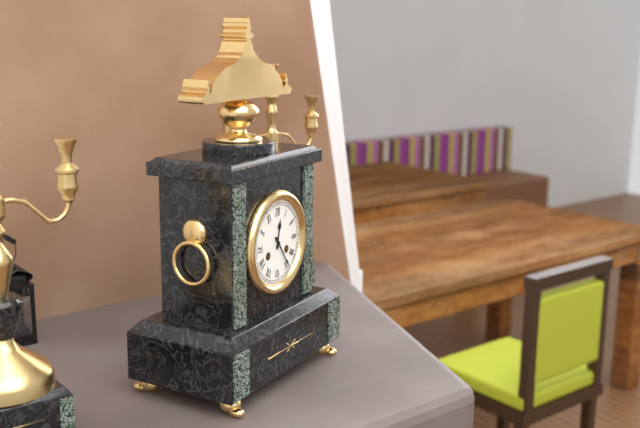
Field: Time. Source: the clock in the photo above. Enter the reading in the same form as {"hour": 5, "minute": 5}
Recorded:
{"hour": 12, "minute": 24}
